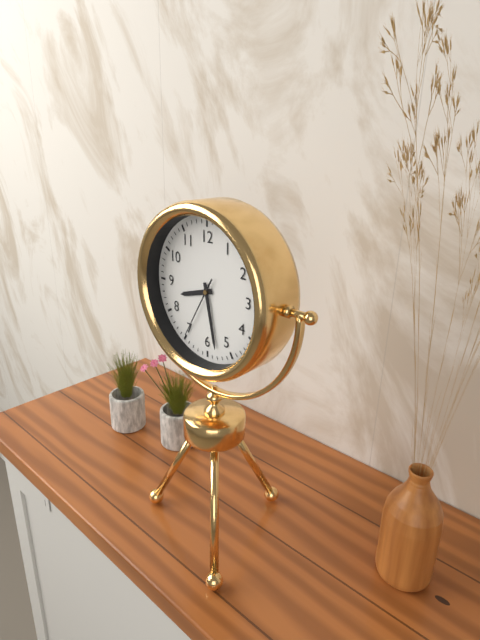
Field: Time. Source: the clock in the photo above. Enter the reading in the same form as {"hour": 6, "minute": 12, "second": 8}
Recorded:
{"hour": 8, "minute": 28, "second": 35}
